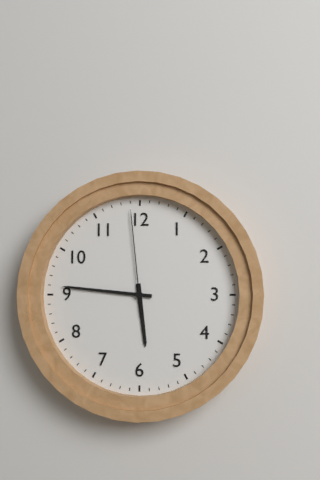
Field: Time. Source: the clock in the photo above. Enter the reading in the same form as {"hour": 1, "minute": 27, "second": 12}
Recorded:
{"hour": 5, "minute": 46, "second": 59}
